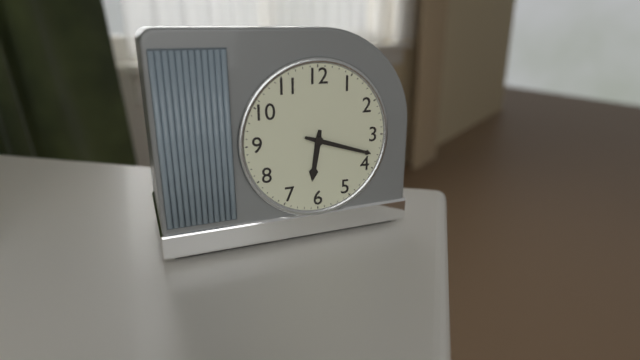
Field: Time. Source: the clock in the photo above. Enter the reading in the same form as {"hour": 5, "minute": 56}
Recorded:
{"hour": 6, "minute": 18}
